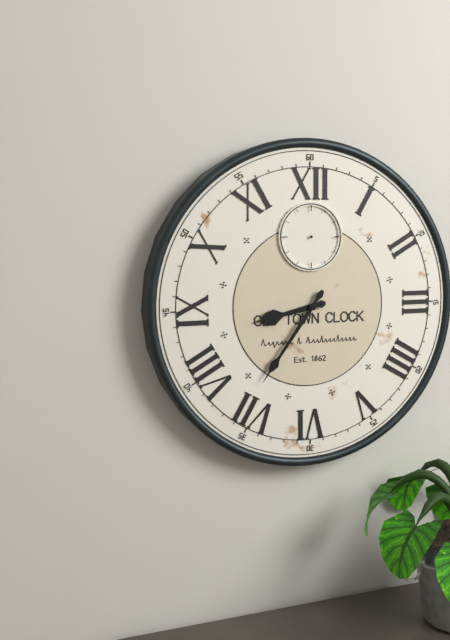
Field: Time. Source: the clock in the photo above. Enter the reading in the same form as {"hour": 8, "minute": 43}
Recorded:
{"hour": 8, "minute": 36}
